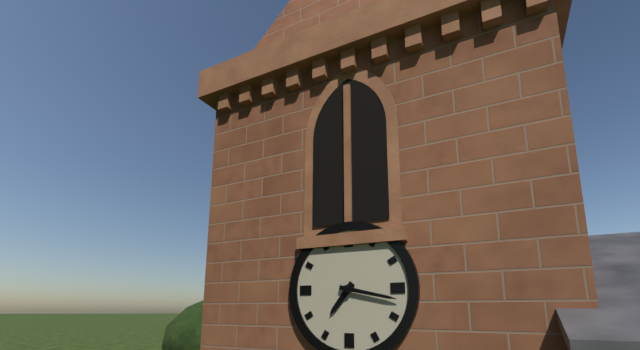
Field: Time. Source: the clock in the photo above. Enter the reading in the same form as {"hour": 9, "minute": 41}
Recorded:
{"hour": 7, "minute": 17}
